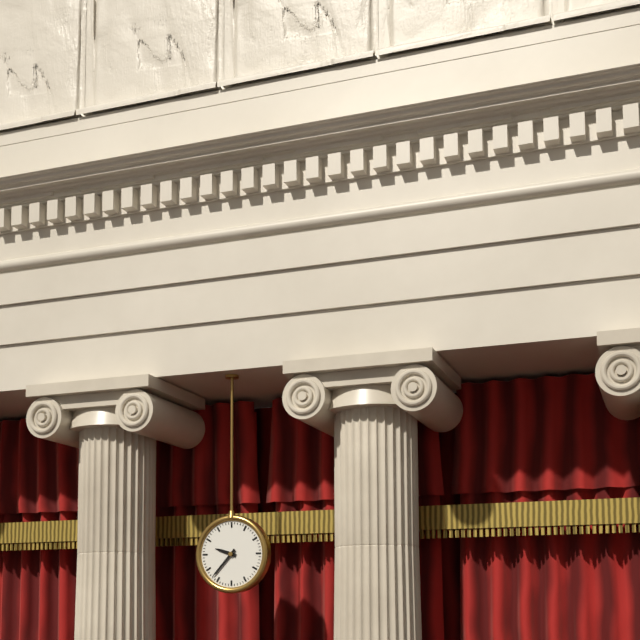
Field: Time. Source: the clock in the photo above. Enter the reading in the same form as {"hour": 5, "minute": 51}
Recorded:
{"hour": 9, "minute": 37}
